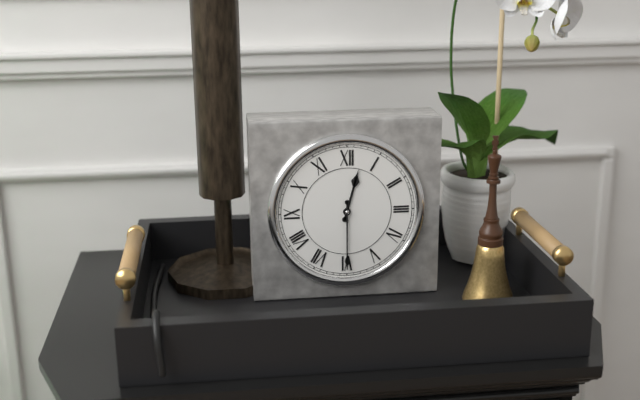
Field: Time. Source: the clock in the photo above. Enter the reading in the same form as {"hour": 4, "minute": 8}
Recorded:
{"hour": 12, "minute": 30}
